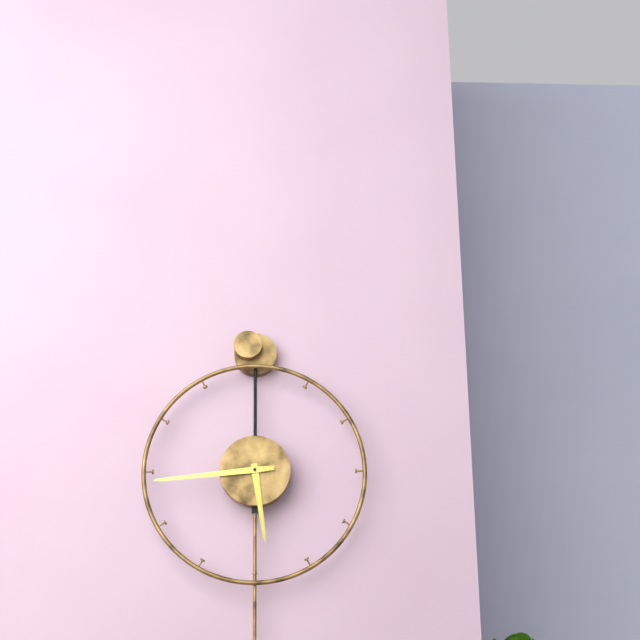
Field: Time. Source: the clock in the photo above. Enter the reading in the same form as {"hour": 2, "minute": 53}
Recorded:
{"hour": 5, "minute": 44}
